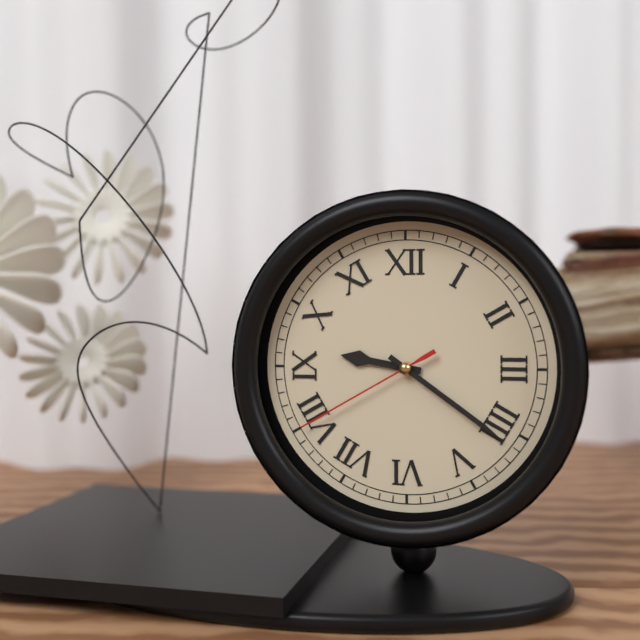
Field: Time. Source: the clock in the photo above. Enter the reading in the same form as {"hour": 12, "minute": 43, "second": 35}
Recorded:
{"hour": 9, "minute": 21, "second": 40}
